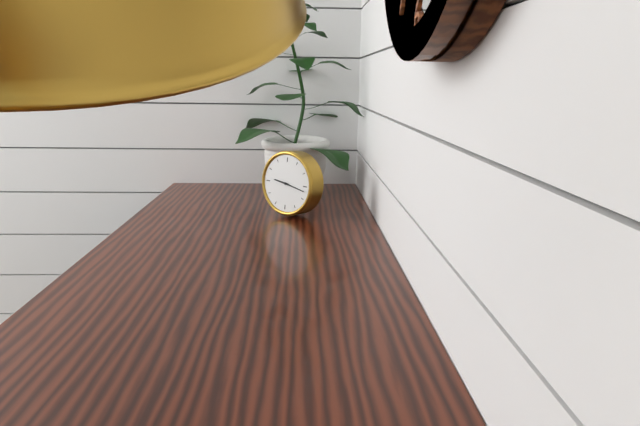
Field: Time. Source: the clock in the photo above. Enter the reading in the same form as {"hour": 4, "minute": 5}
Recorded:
{"hour": 9, "minute": 17}
